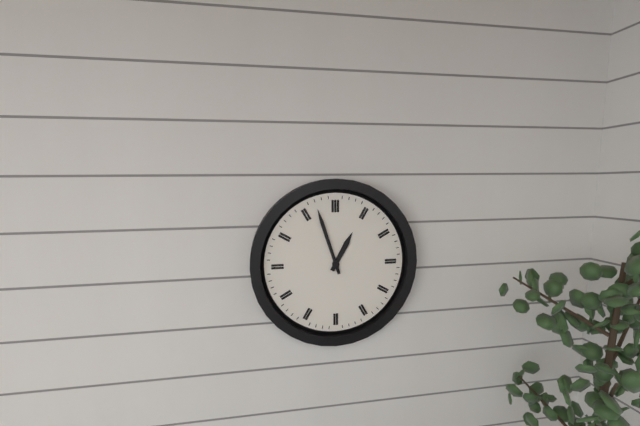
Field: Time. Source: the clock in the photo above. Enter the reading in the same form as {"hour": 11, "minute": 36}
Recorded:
{"hour": 12, "minute": 57}
